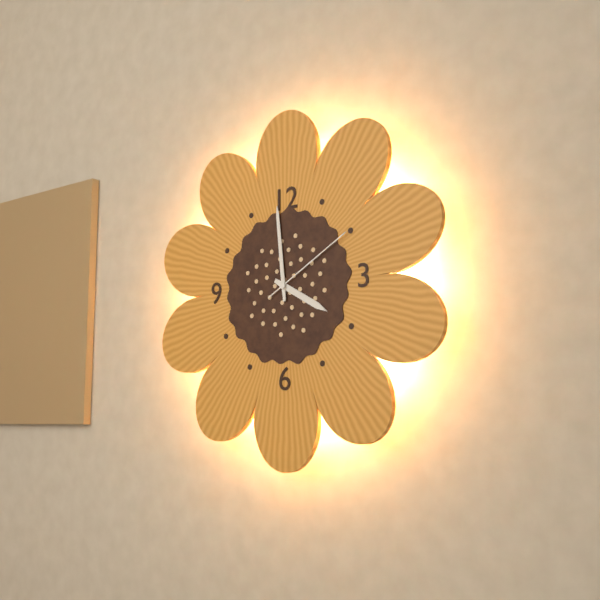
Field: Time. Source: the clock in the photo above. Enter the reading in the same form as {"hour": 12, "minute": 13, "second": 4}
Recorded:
{"hour": 3, "minute": 59, "second": 10}
